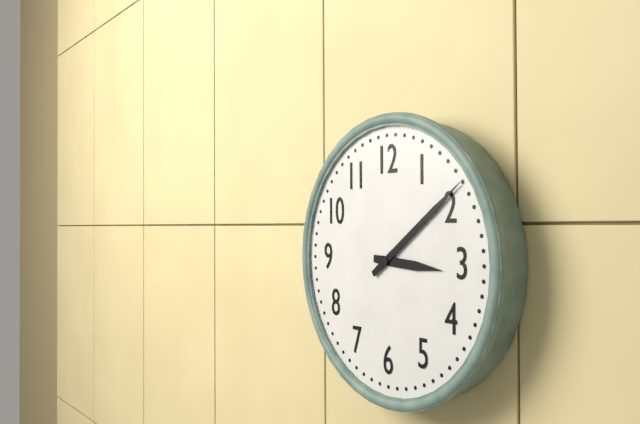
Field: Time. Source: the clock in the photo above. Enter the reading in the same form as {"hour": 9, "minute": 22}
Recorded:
{"hour": 3, "minute": 9}
